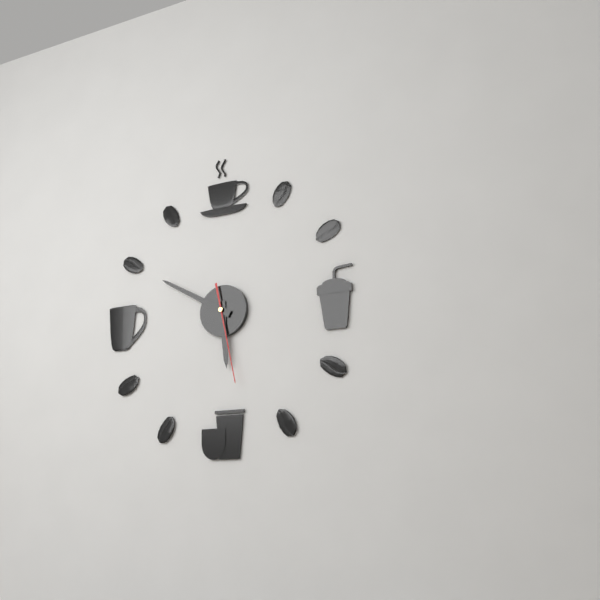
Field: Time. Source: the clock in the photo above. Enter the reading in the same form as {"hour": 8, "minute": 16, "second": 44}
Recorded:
{"hour": 5, "minute": 50, "second": 28}
